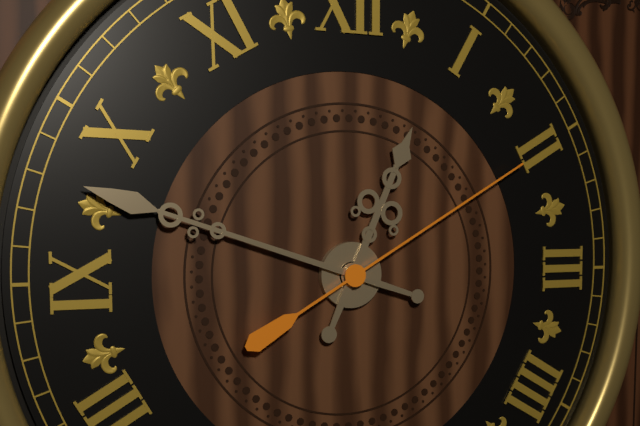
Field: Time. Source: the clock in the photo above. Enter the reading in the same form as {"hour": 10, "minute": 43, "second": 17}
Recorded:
{"hour": 12, "minute": 48, "second": 10}
